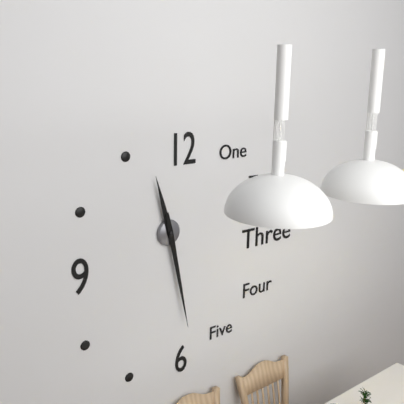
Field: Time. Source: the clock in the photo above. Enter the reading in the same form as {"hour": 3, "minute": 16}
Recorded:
{"hour": 11, "minute": 28}
